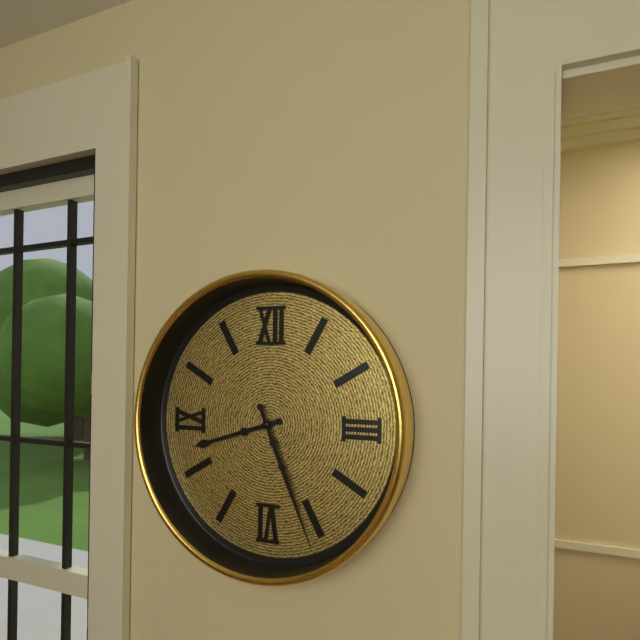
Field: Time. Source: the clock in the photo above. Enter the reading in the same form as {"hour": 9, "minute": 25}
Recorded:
{"hour": 8, "minute": 26}
